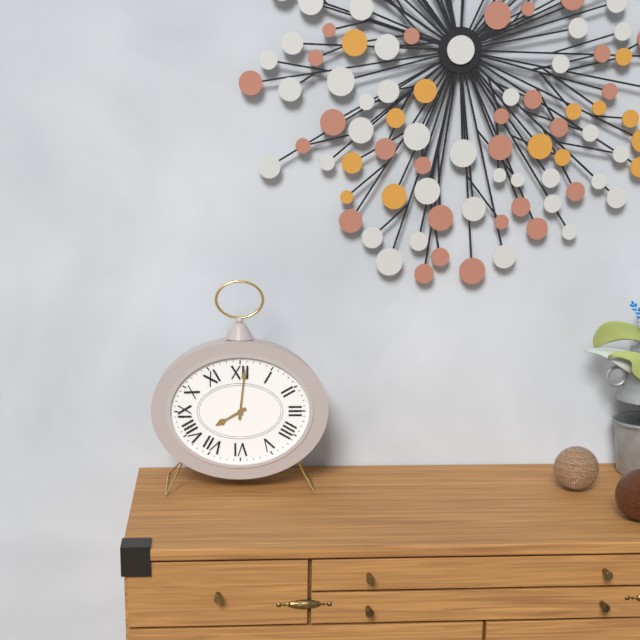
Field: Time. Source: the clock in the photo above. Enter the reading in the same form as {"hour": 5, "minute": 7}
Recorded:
{"hour": 8, "minute": 1}
